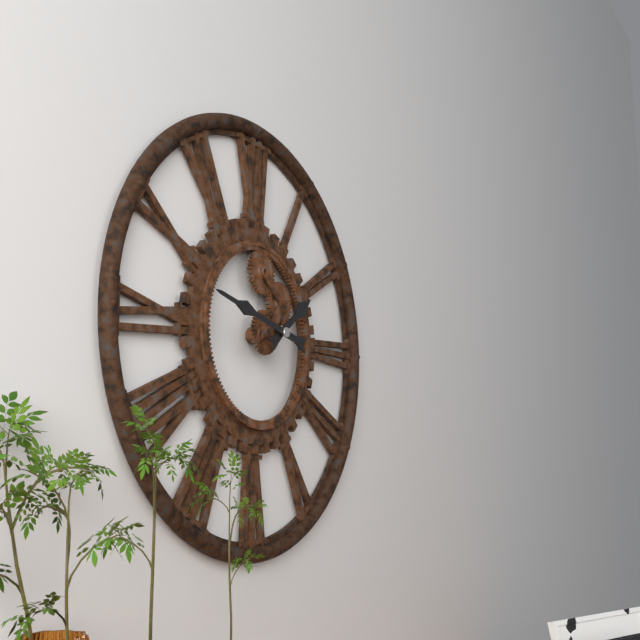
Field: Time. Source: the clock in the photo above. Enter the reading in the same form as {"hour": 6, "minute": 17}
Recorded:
{"hour": 1, "minute": 47}
